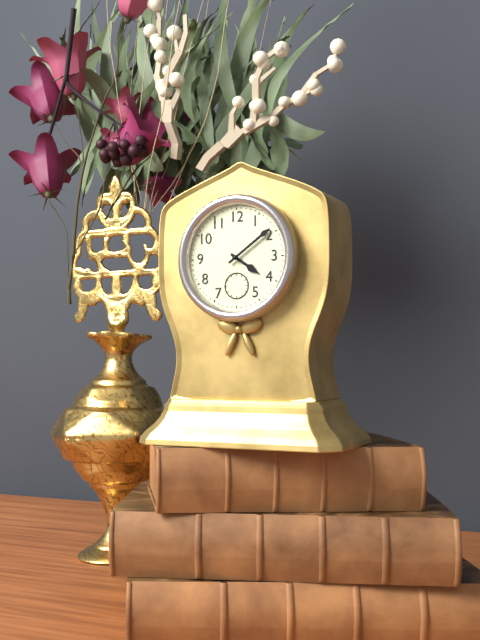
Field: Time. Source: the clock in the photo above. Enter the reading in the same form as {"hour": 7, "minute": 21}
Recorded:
{"hour": 4, "minute": 9}
